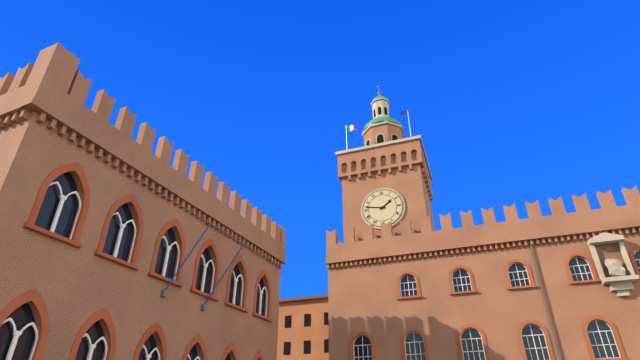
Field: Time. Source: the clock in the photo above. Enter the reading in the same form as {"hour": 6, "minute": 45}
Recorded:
{"hour": 1, "minute": 47}
